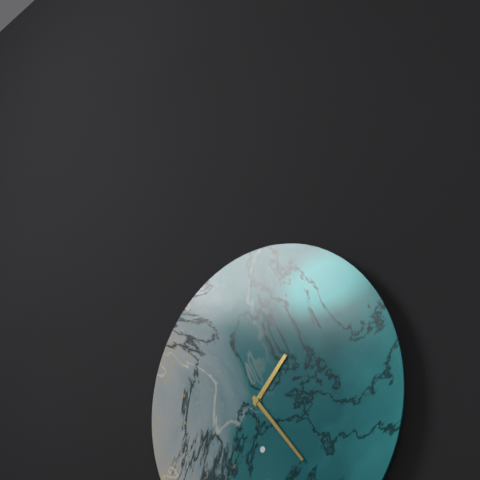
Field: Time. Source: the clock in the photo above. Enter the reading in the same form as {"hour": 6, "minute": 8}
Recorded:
{"hour": 1, "minute": 23}
